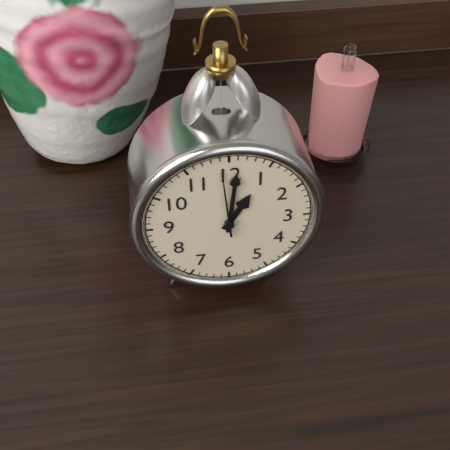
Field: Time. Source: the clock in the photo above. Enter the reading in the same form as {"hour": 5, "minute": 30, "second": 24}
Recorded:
{"hour": 1, "minute": 1, "second": 59}
